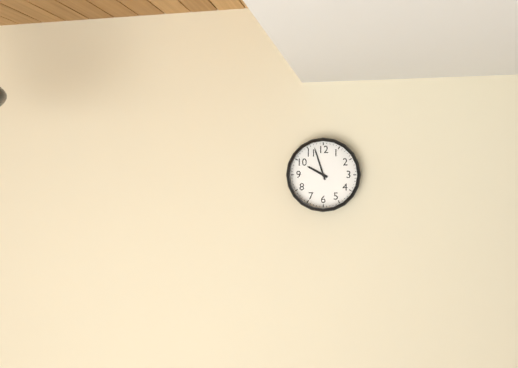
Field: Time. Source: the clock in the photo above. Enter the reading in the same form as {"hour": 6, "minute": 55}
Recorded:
{"hour": 9, "minute": 57}
